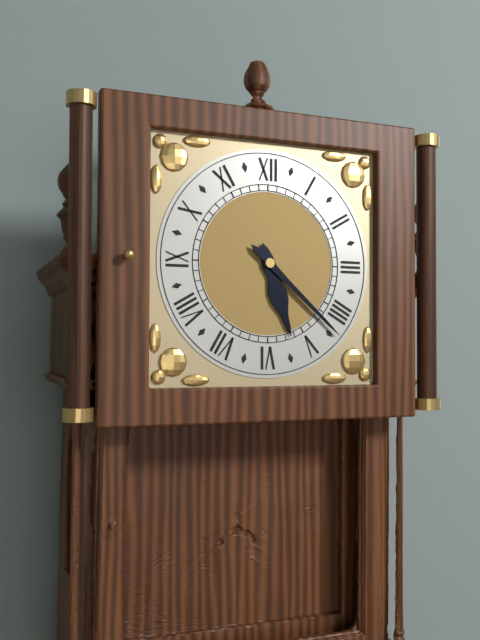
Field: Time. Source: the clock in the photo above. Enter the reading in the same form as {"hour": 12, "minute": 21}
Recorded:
{"hour": 5, "minute": 22}
